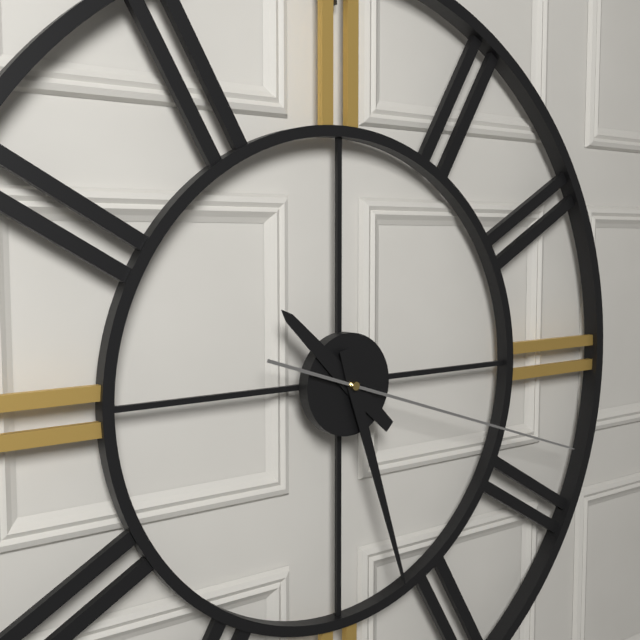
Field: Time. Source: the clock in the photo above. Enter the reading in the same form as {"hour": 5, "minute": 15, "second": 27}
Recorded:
{"hour": 10, "minute": 27, "second": 18}
